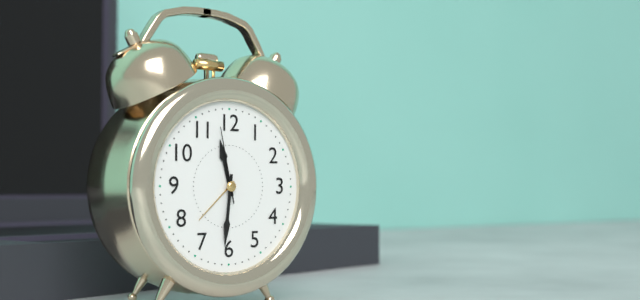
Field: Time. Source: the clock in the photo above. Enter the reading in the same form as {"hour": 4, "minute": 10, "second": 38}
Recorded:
{"hour": 11, "minute": 31, "second": 58}
